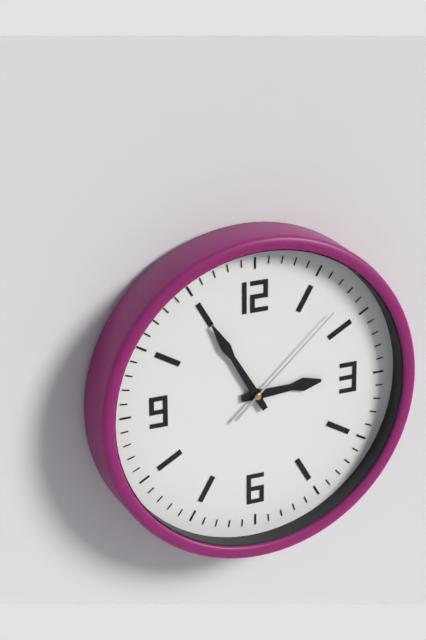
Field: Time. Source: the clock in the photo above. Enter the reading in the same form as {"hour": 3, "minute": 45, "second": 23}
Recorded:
{"hour": 2, "minute": 55, "second": 8}
